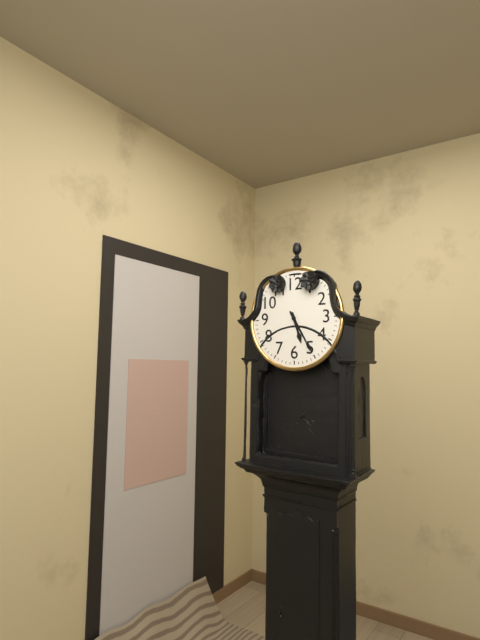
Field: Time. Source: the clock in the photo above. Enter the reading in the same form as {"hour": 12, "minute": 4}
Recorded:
{"hour": 5, "minute": 25}
